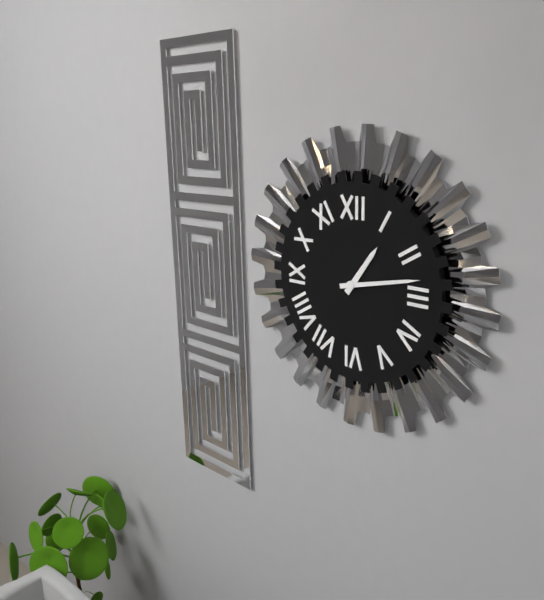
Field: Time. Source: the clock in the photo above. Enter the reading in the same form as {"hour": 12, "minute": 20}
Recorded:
{"hour": 1, "minute": 13}
